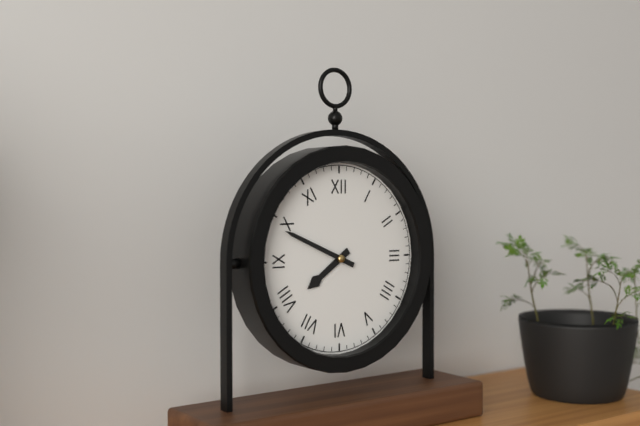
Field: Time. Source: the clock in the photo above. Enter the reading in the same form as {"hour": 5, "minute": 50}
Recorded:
{"hour": 7, "minute": 49}
